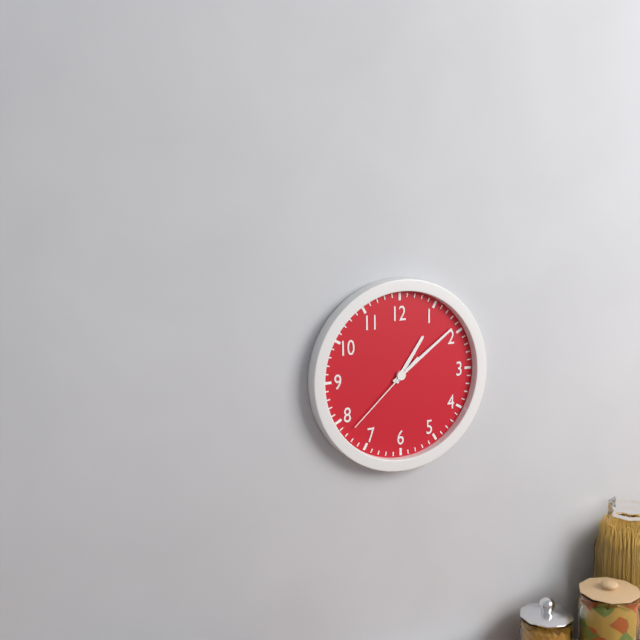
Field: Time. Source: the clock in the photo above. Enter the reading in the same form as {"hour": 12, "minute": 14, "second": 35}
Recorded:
{"hour": 1, "minute": 9, "second": 38}
